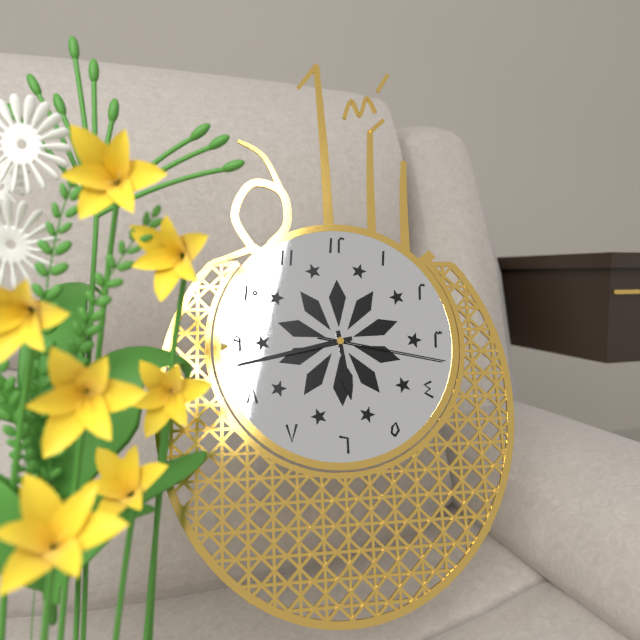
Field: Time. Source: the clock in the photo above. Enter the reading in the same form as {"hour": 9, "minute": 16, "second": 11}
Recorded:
{"hour": 5, "minute": 43, "second": 17}
